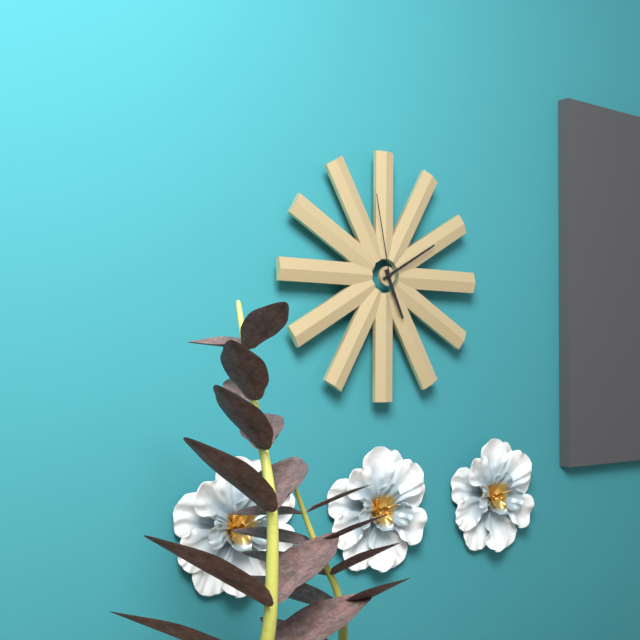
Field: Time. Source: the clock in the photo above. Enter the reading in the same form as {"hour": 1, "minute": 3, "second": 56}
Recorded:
{"hour": 5, "minute": 10, "second": 58}
